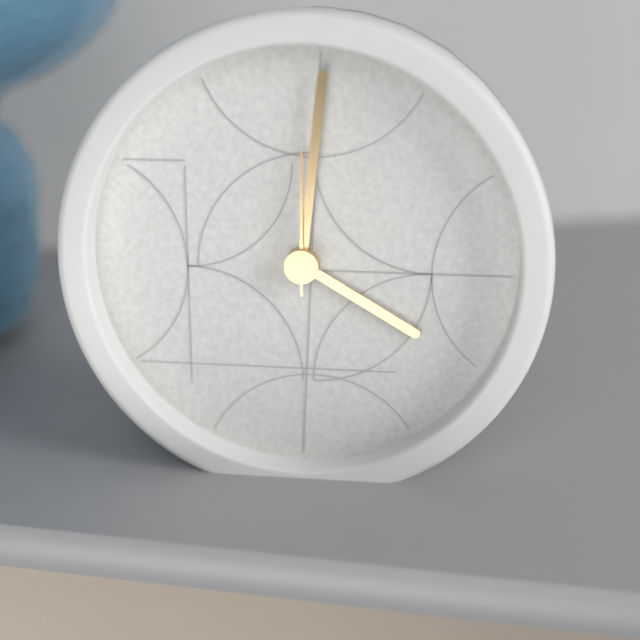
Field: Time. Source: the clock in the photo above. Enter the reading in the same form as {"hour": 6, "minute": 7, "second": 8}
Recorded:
{"hour": 4, "minute": 1, "second": 0}
